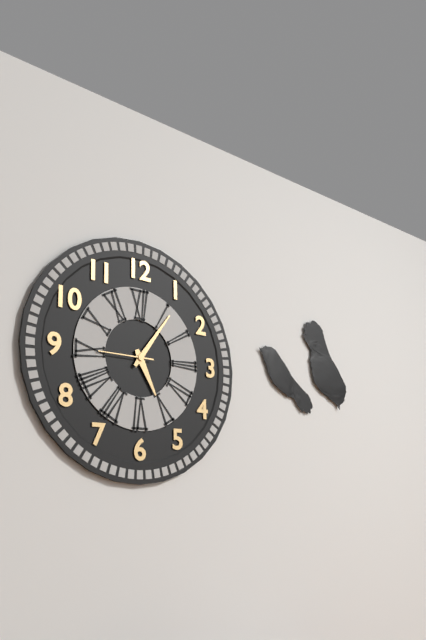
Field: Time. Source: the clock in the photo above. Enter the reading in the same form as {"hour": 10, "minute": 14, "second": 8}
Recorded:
{"hour": 5, "minute": 6, "second": 45}
